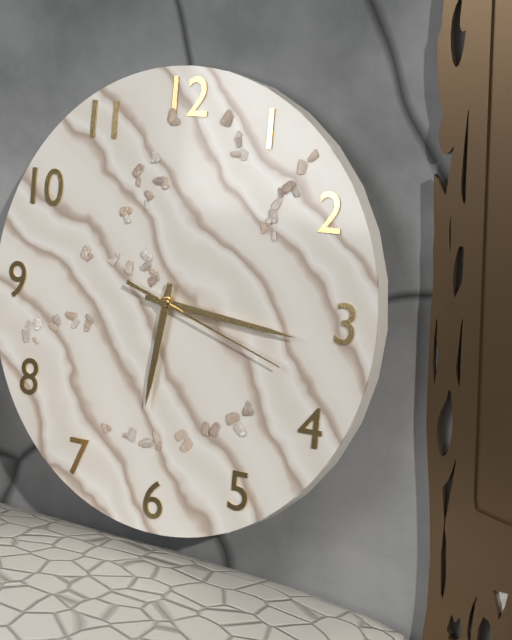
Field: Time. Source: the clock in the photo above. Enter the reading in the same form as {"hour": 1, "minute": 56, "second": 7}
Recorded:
{"hour": 6, "minute": 16, "second": 18}
